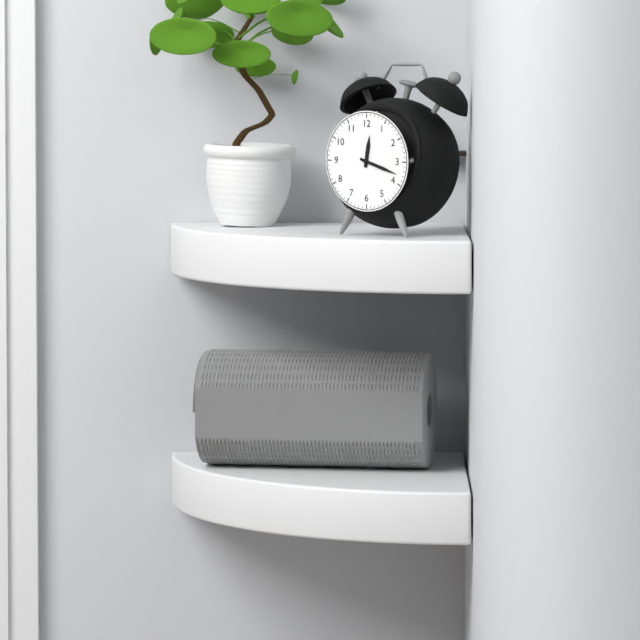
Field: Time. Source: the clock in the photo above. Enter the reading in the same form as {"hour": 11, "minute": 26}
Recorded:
{"hour": 12, "minute": 18}
